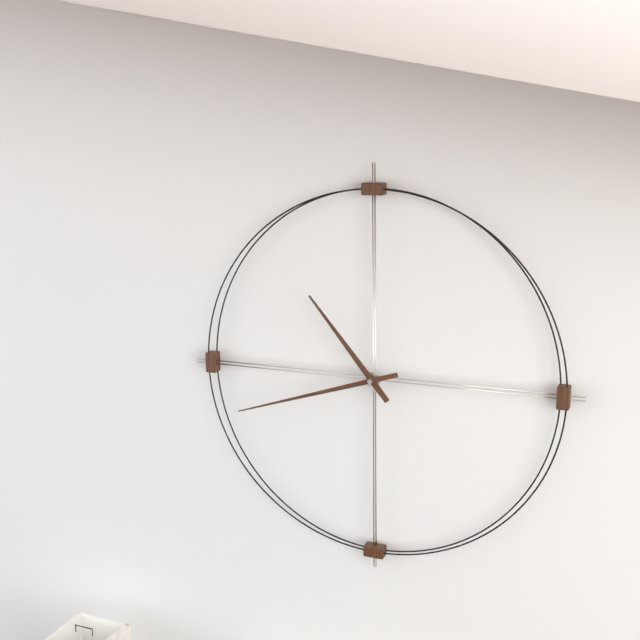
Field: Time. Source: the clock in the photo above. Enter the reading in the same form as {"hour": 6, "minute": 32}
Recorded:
{"hour": 10, "minute": 42}
